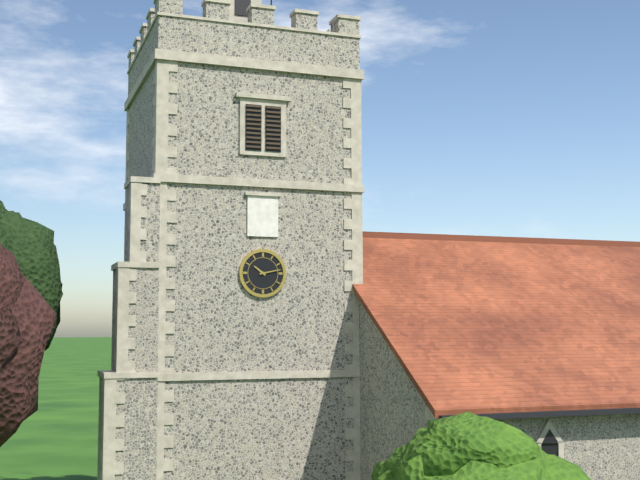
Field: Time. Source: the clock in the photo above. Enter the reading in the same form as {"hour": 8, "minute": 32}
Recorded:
{"hour": 10, "minute": 13}
